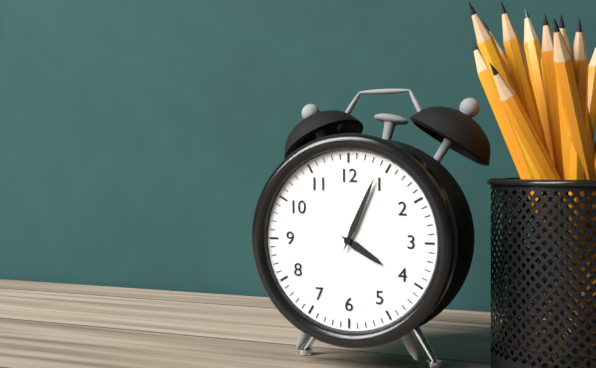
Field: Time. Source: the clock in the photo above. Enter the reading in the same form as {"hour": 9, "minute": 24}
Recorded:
{"hour": 4, "minute": 4}
